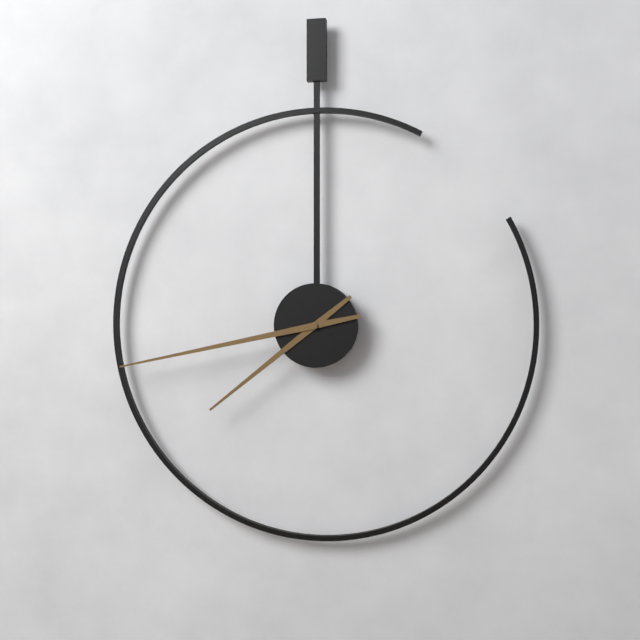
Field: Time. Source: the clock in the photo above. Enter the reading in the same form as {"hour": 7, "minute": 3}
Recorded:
{"hour": 7, "minute": 43}
